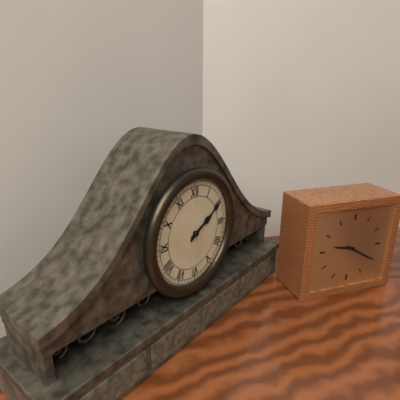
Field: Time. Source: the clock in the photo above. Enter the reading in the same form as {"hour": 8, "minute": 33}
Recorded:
{"hour": 2, "minute": 10}
